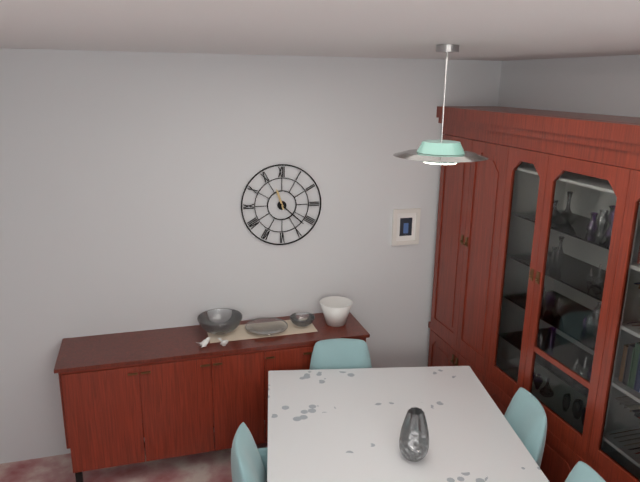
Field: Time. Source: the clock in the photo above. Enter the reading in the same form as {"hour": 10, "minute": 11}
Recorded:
{"hour": 11, "minute": 22}
